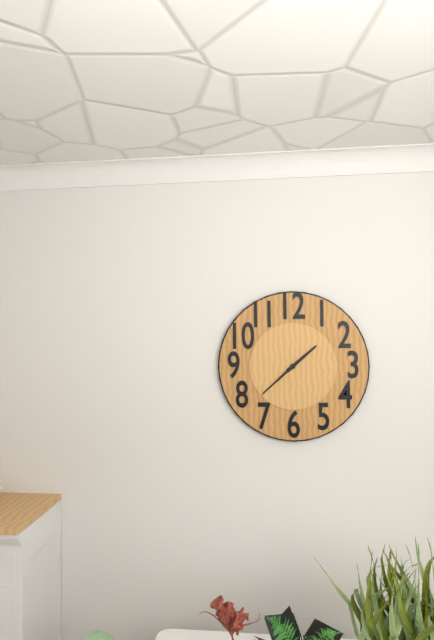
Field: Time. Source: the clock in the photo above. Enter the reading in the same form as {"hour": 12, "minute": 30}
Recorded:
{"hour": 1, "minute": 38}
